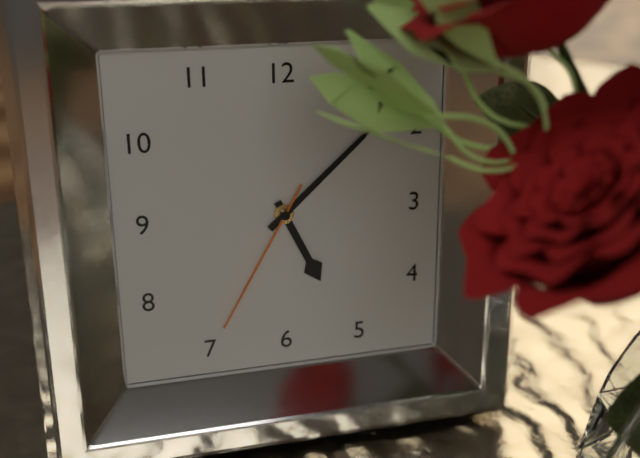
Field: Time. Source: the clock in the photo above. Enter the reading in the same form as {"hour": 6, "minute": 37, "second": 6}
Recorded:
{"hour": 5, "minute": 8, "second": 35}
